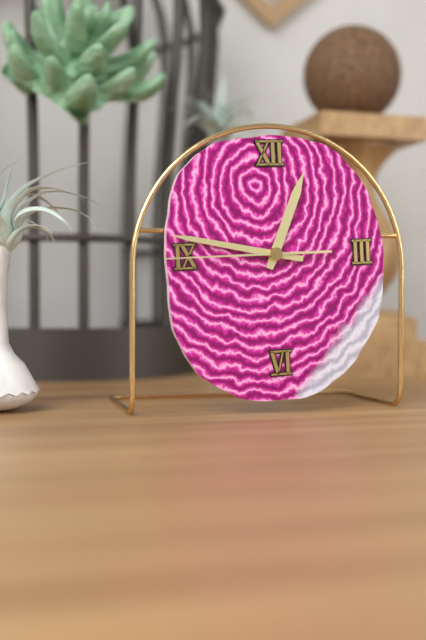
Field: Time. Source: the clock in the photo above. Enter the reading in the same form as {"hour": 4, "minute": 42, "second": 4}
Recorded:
{"hour": 12, "minute": 47, "second": 45}
